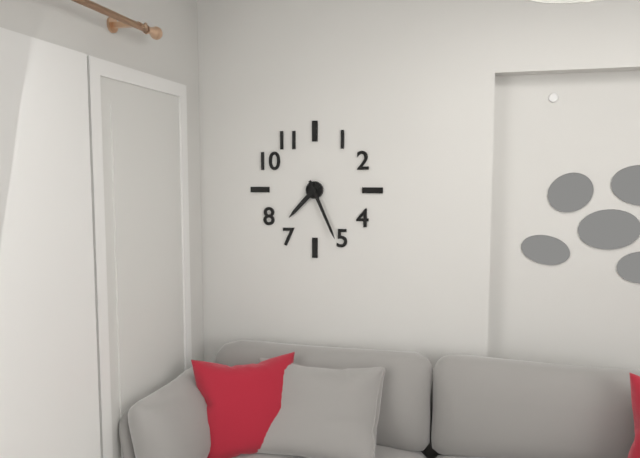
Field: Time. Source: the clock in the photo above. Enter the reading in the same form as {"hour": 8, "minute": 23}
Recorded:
{"hour": 7, "minute": 26}
